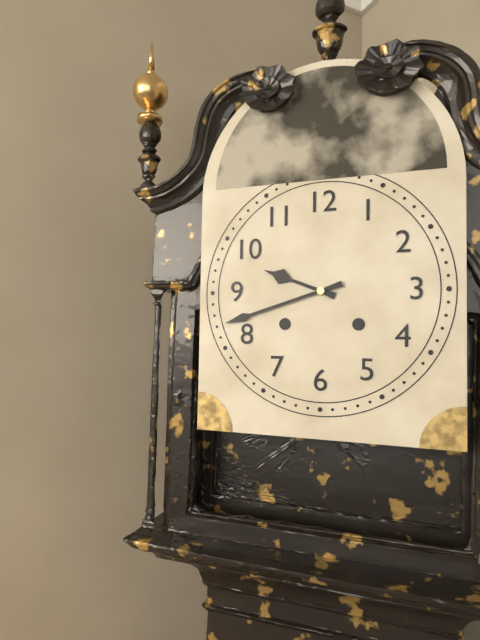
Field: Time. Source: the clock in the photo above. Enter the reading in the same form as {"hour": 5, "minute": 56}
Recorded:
{"hour": 9, "minute": 42}
